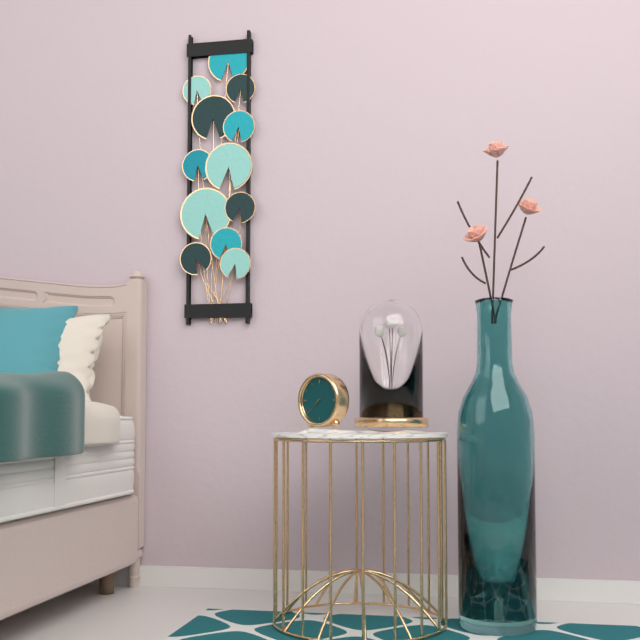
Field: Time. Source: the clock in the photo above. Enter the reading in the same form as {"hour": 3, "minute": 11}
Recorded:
{"hour": 7, "minute": 38}
